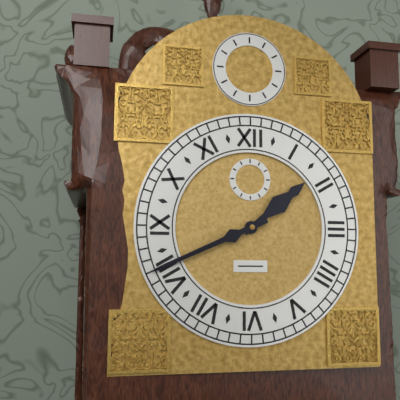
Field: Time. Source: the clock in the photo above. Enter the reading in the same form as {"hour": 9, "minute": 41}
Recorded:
{"hour": 1, "minute": 41}
